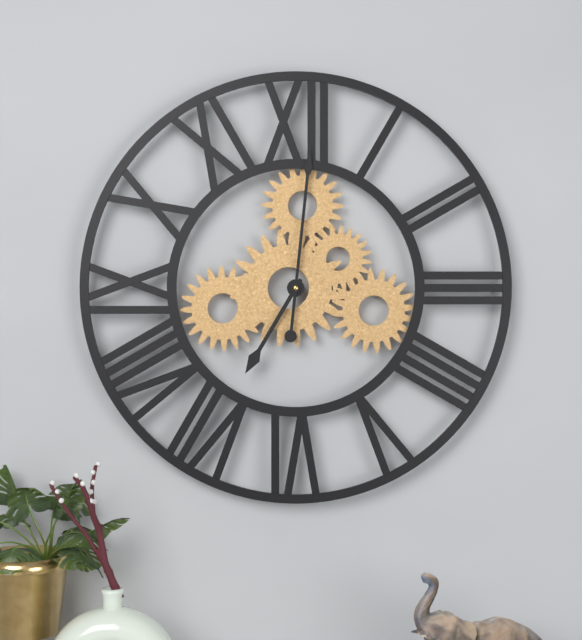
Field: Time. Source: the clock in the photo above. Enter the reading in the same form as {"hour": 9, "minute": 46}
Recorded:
{"hour": 7, "minute": 1}
